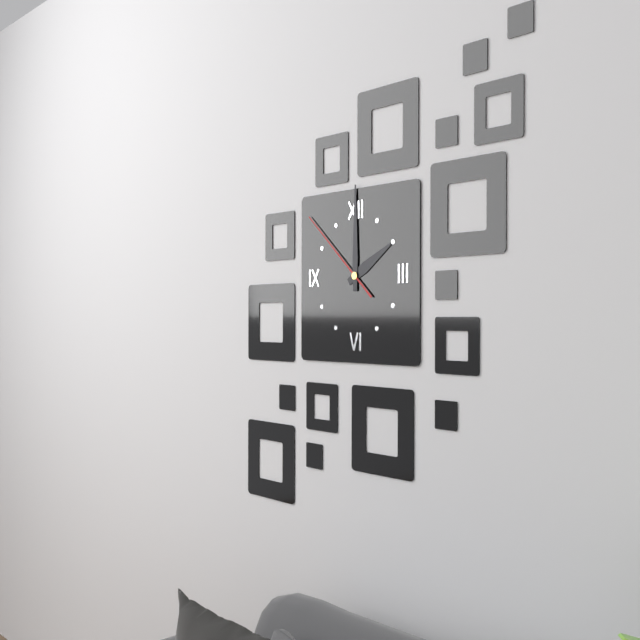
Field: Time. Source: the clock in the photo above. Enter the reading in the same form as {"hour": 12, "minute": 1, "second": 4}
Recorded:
{"hour": 2, "minute": 0, "second": 52}
